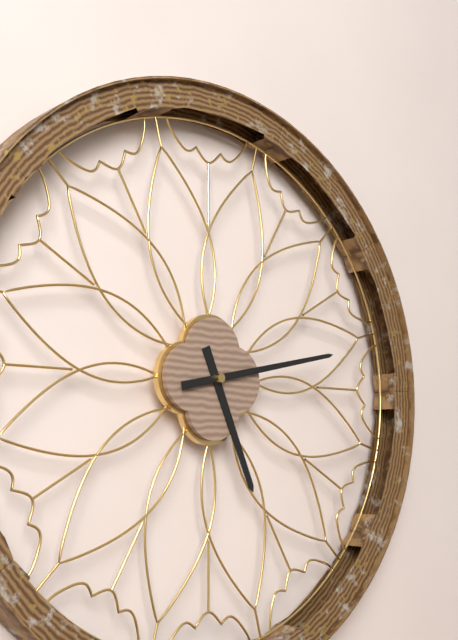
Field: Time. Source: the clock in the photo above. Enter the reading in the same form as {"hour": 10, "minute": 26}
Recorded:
{"hour": 5, "minute": 13}
